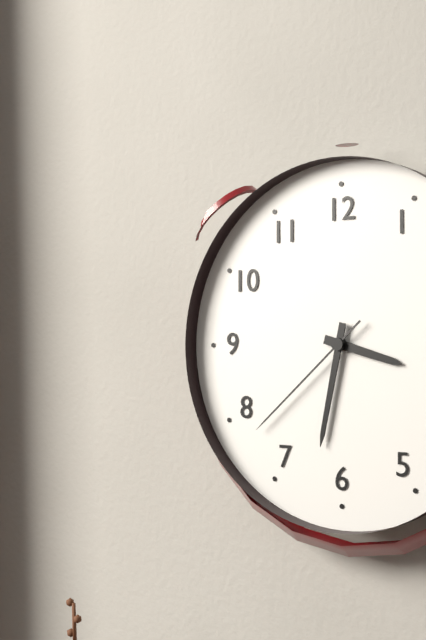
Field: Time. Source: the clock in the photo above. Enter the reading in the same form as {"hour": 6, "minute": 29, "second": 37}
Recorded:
{"hour": 3, "minute": 32, "second": 38}
